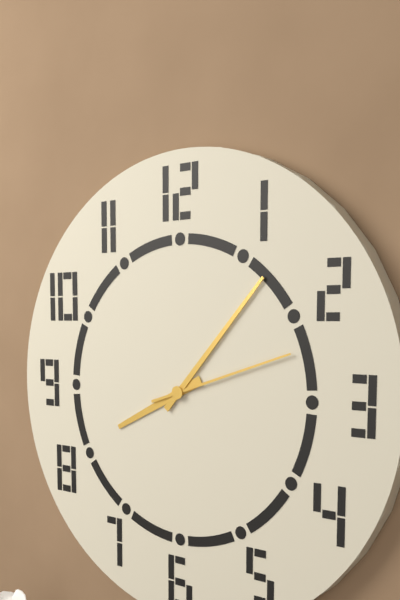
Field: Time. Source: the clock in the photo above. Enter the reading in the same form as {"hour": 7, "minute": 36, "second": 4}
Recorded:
{"hour": 8, "minute": 7, "second": 12}
